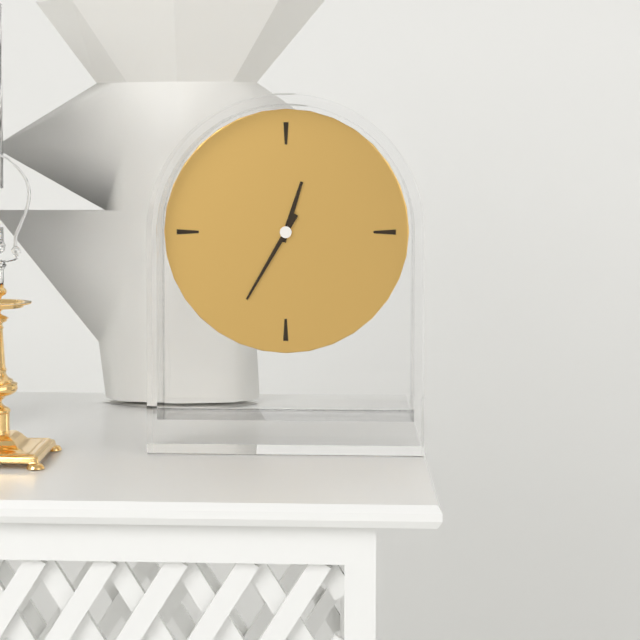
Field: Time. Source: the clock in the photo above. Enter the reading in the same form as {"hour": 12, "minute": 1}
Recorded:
{"hour": 12, "minute": 35}
